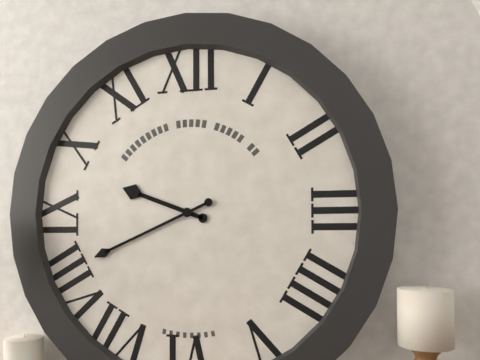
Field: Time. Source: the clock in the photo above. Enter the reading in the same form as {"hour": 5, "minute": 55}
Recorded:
{"hour": 9, "minute": 41}
